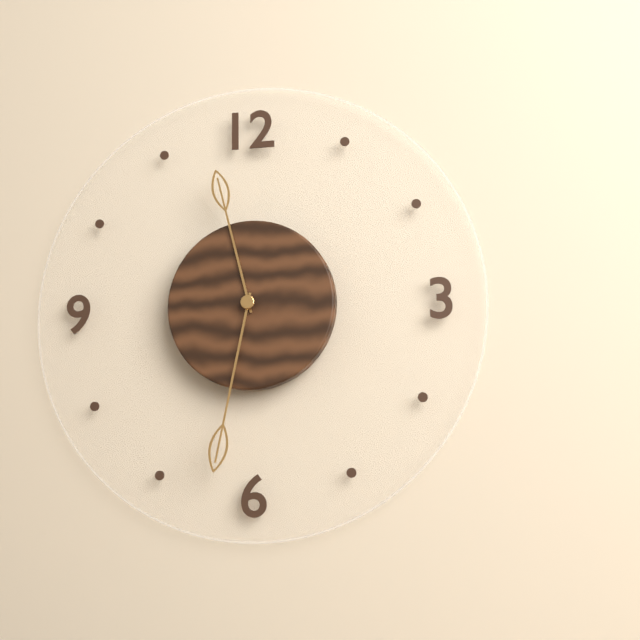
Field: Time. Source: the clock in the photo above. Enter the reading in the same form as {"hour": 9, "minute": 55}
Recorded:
{"hour": 11, "minute": 32}
